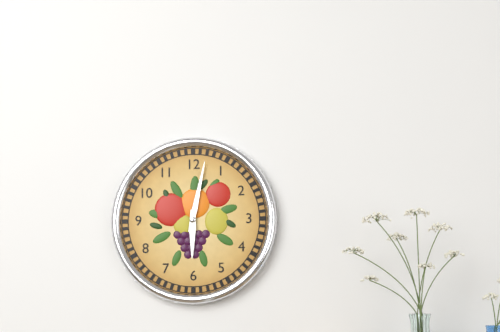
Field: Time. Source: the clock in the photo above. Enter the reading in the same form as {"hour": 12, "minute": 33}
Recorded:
{"hour": 6, "minute": 2}
